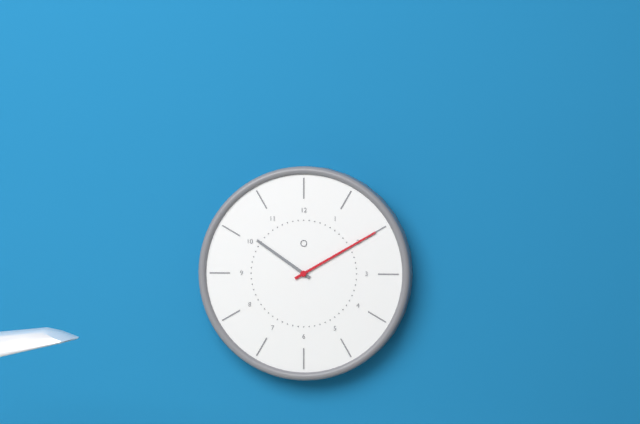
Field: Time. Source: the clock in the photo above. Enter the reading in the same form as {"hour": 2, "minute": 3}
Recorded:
{"hour": 10, "minute": 10}
